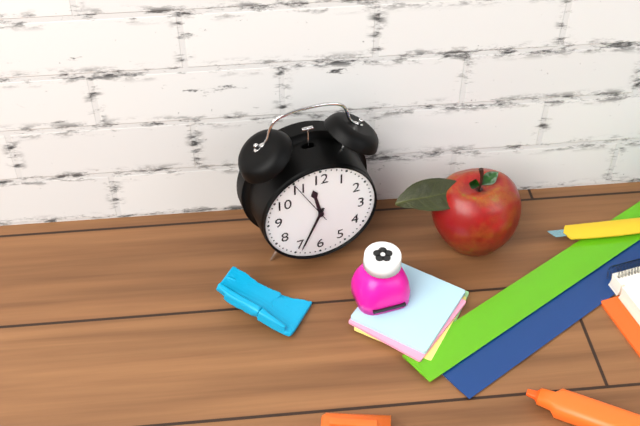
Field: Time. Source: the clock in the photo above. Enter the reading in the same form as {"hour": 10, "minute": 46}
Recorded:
{"hour": 11, "minute": 34}
